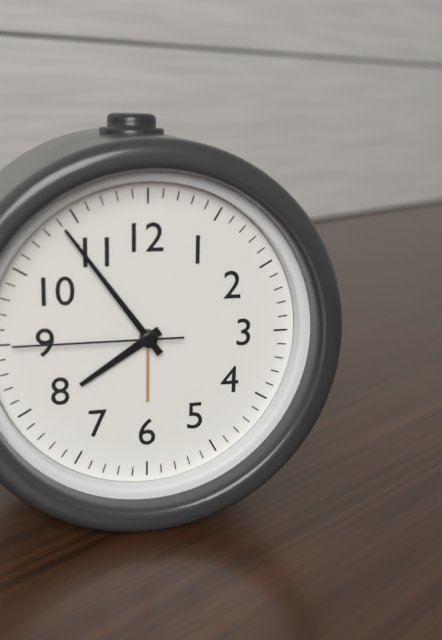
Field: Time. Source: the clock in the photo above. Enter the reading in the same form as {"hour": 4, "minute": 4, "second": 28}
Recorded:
{"hour": 7, "minute": 54, "second": 45}
